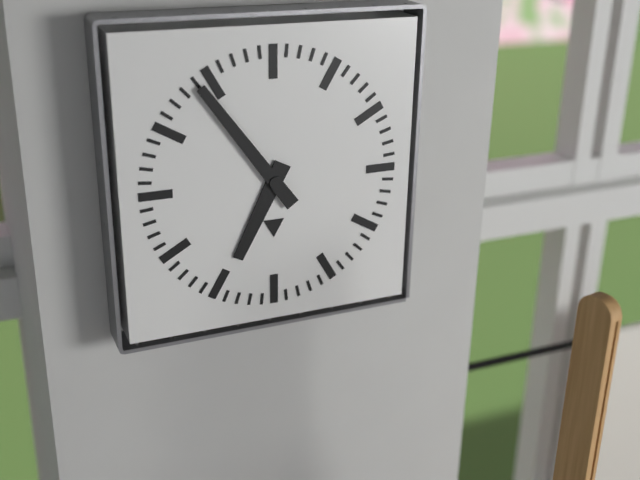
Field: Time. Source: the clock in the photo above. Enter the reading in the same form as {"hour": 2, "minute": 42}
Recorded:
{"hour": 6, "minute": 54}
